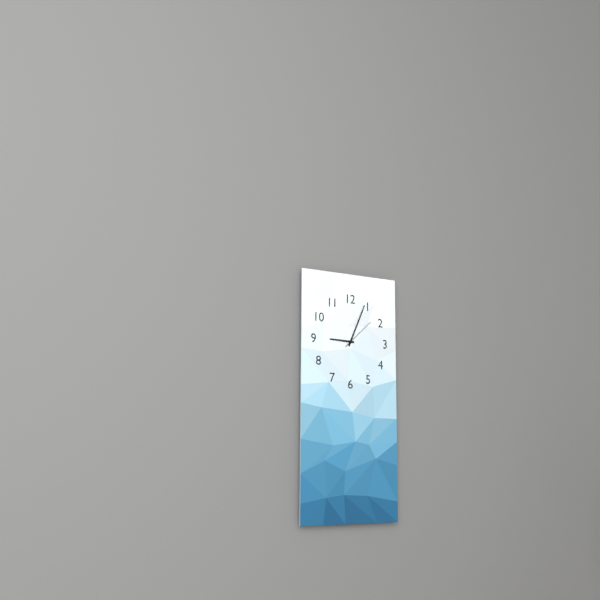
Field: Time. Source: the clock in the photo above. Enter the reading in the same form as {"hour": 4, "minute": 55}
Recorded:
{"hour": 9, "minute": 4}
